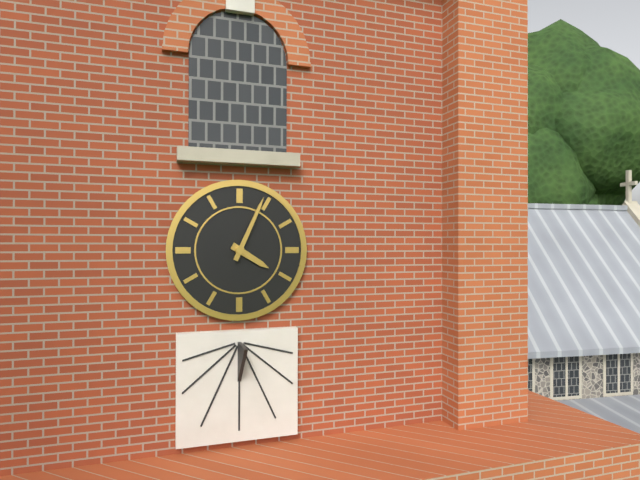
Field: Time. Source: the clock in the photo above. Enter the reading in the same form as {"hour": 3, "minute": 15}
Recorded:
{"hour": 4, "minute": 4}
